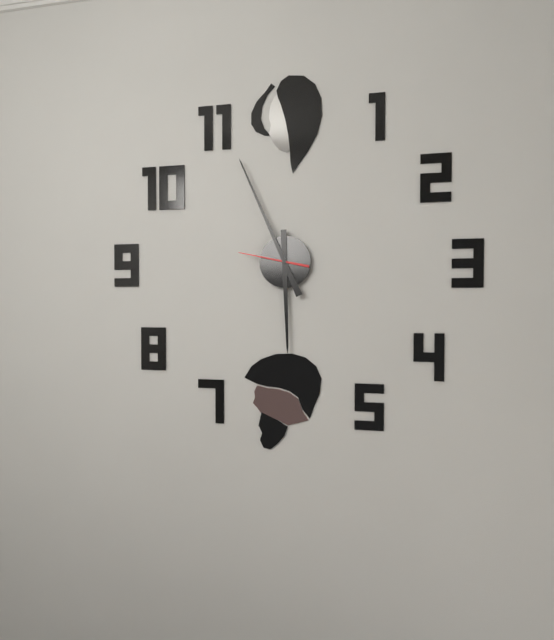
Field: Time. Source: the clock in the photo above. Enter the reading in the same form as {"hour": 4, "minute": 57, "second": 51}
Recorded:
{"hour": 5, "minute": 56, "second": 47}
